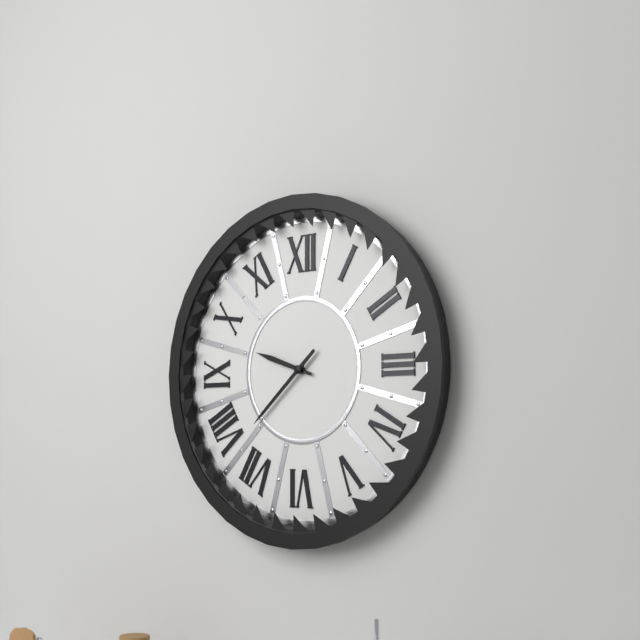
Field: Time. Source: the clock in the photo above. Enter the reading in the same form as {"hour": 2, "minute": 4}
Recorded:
{"hour": 9, "minute": 38}
